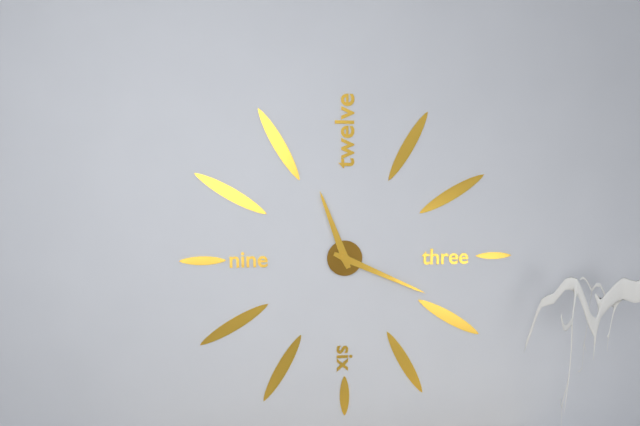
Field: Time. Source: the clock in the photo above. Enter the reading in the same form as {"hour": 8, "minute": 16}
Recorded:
{"hour": 11, "minute": 19}
